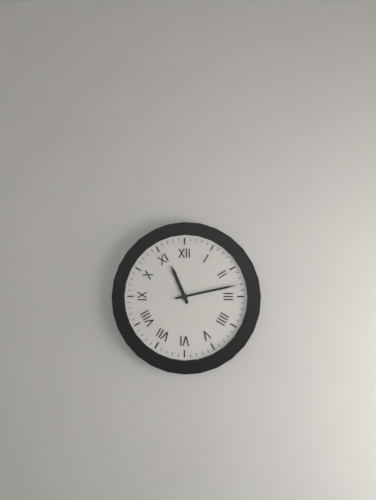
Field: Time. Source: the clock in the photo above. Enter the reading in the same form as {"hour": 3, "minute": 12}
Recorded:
{"hour": 11, "minute": 13}
